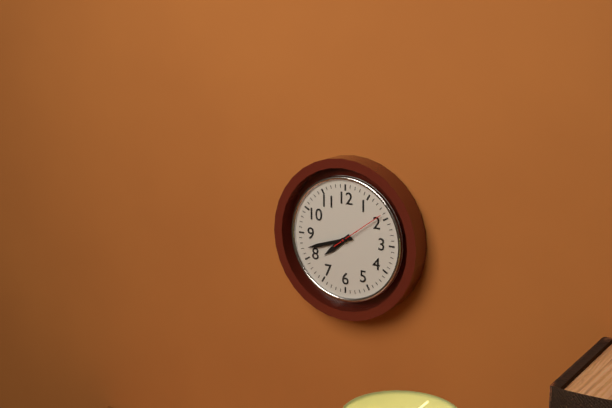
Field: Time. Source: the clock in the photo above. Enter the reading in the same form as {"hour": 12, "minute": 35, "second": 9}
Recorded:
{"hour": 7, "minute": 42, "second": 9}
